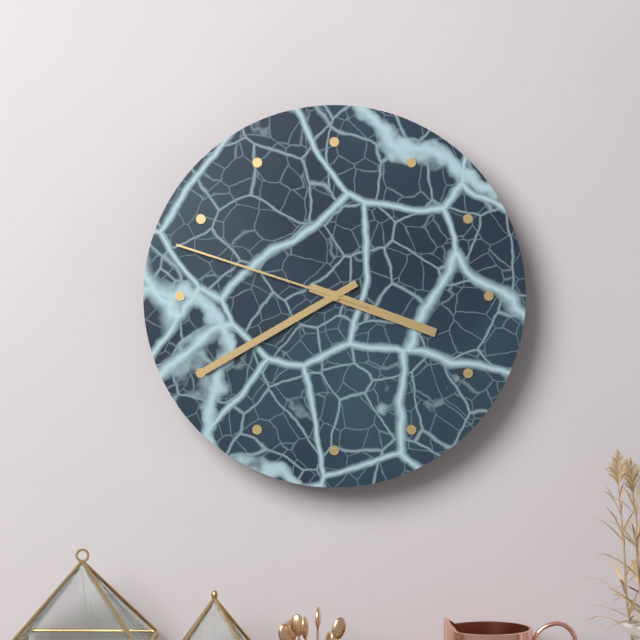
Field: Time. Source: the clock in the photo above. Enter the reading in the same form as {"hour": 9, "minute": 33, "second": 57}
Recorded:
{"hour": 3, "minute": 40, "second": 48}
